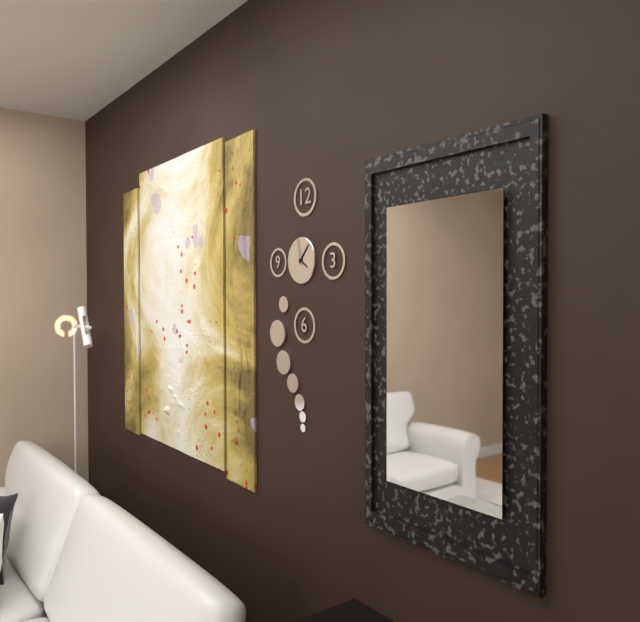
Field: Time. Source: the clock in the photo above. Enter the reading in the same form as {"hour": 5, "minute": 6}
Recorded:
{"hour": 4, "minute": 7}
